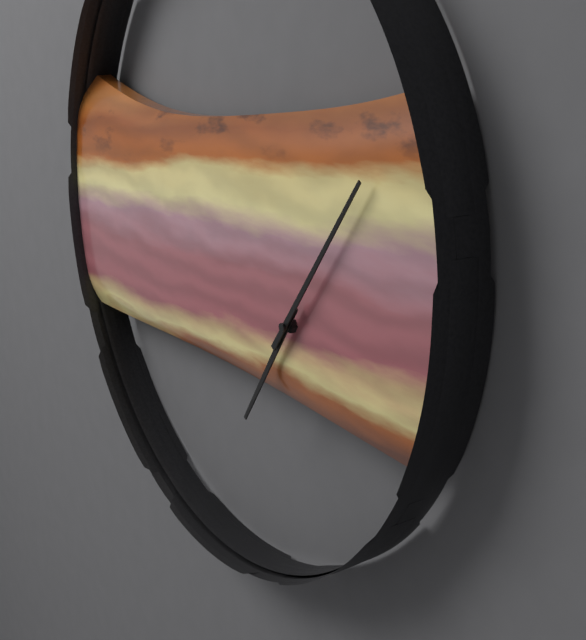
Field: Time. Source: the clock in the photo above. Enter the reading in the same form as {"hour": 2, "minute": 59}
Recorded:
{"hour": 7, "minute": 6}
